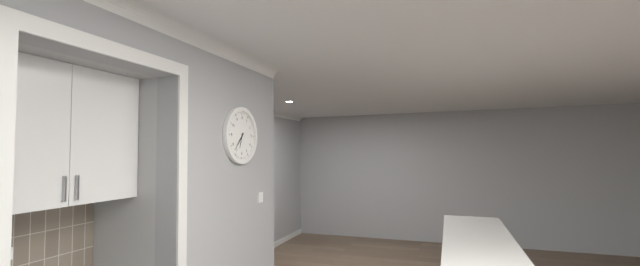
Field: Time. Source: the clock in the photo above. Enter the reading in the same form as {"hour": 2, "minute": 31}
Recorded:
{"hour": 6, "minute": 37}
